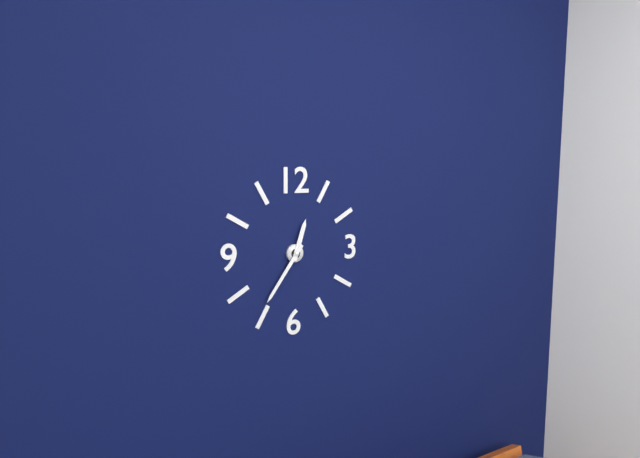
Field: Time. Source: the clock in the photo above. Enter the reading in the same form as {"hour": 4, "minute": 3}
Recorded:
{"hour": 12, "minute": 36}
